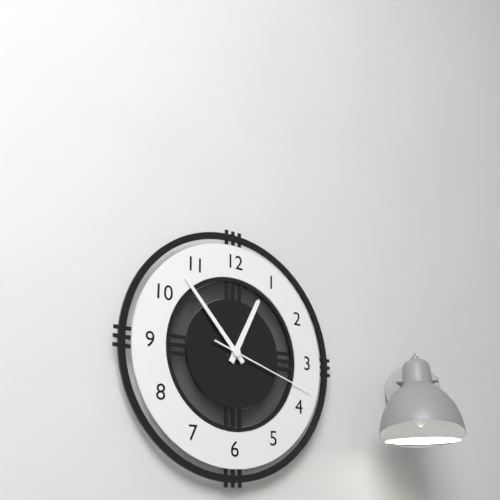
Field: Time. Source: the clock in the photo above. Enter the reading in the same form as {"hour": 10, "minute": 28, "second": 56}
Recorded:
{"hour": 12, "minute": 53, "second": 18}
